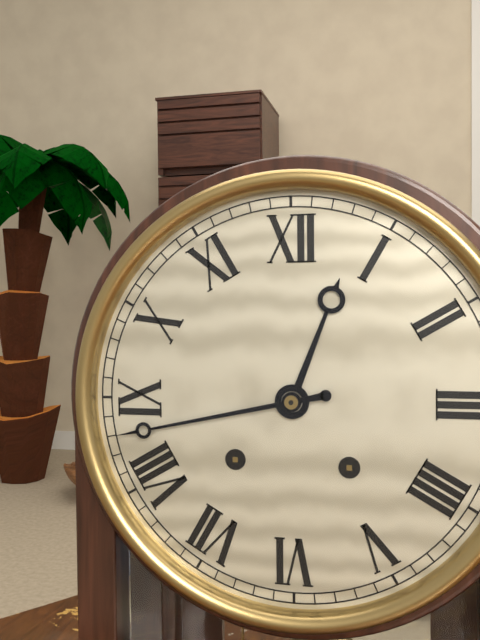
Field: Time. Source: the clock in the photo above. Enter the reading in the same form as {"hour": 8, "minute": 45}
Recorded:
{"hour": 12, "minute": 43}
